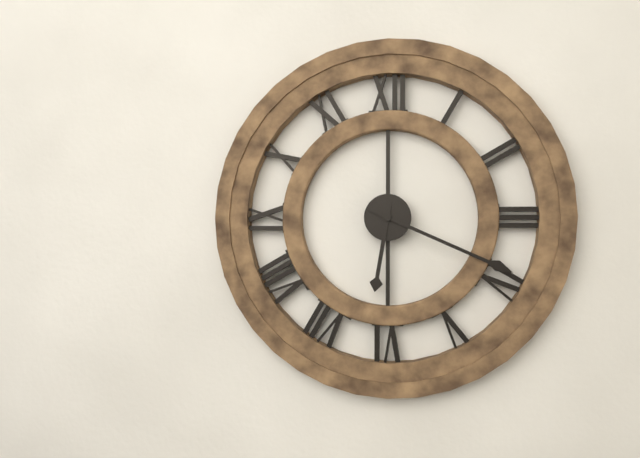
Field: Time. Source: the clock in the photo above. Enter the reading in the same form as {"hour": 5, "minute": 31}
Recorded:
{"hour": 6, "minute": 19}
